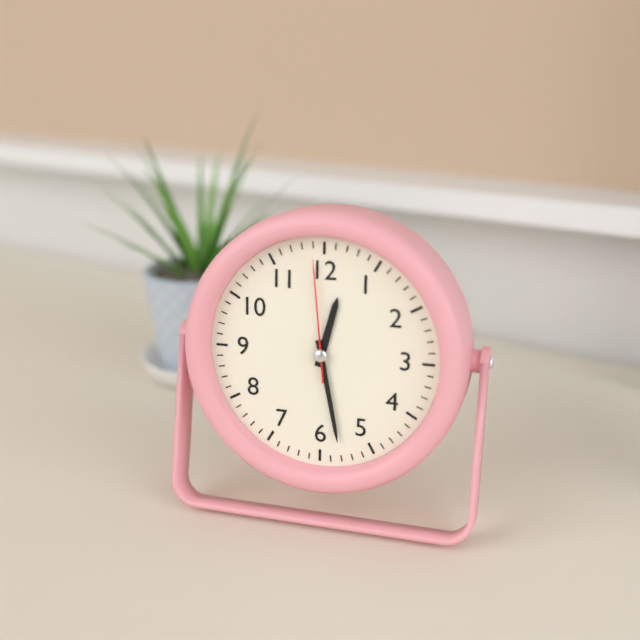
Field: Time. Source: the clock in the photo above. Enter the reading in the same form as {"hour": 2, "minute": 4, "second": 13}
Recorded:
{"hour": 12, "minute": 28, "second": 59}
